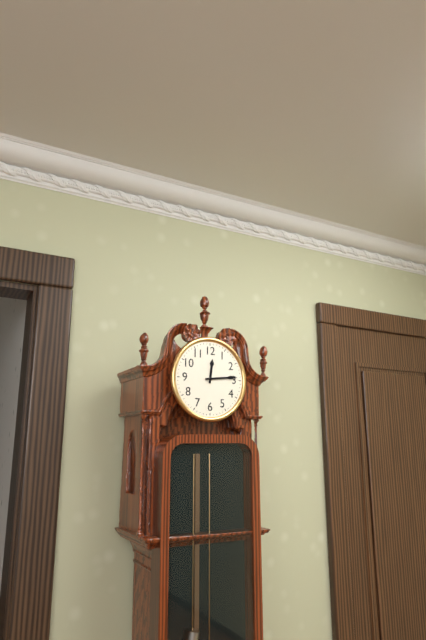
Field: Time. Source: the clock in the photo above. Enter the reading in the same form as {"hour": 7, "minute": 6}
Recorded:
{"hour": 12, "minute": 14}
